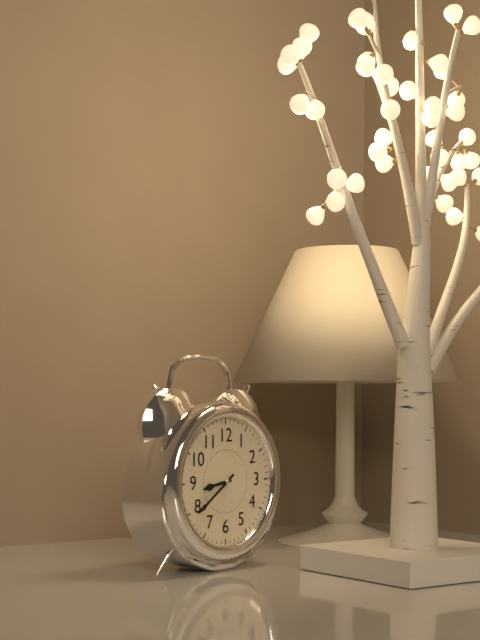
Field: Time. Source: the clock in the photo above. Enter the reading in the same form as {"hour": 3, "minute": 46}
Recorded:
{"hour": 8, "minute": 39}
